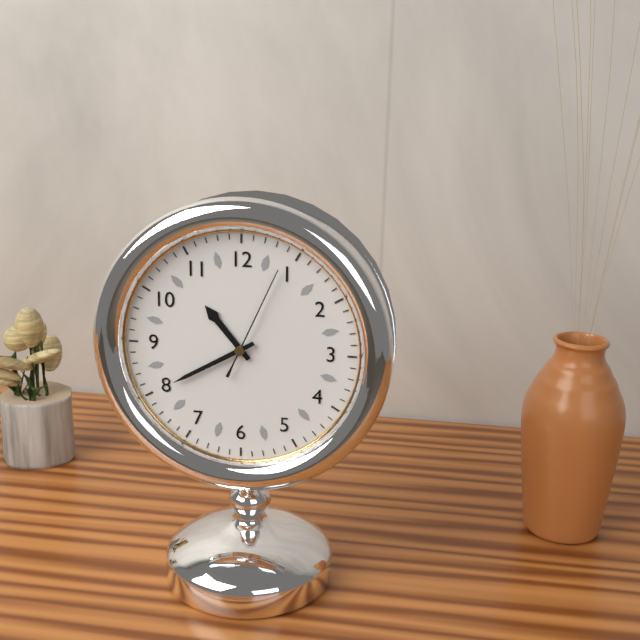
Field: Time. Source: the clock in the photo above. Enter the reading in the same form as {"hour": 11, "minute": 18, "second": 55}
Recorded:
{"hour": 10, "minute": 40, "second": 4}
